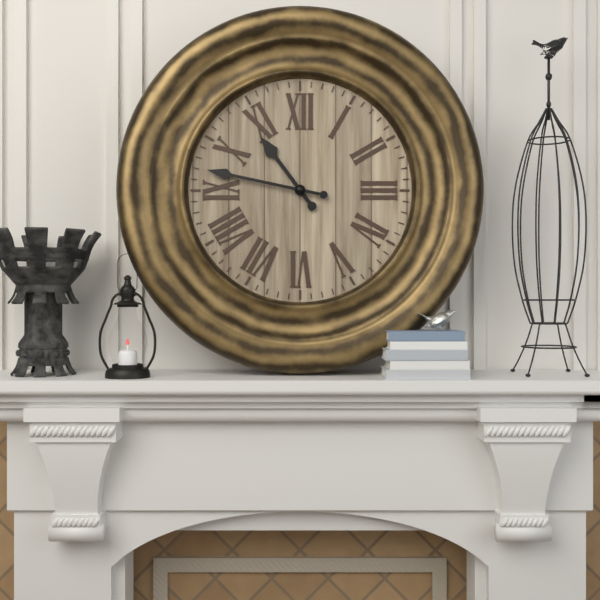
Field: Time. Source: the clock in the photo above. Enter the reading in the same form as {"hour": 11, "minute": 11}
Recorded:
{"hour": 10, "minute": 47}
